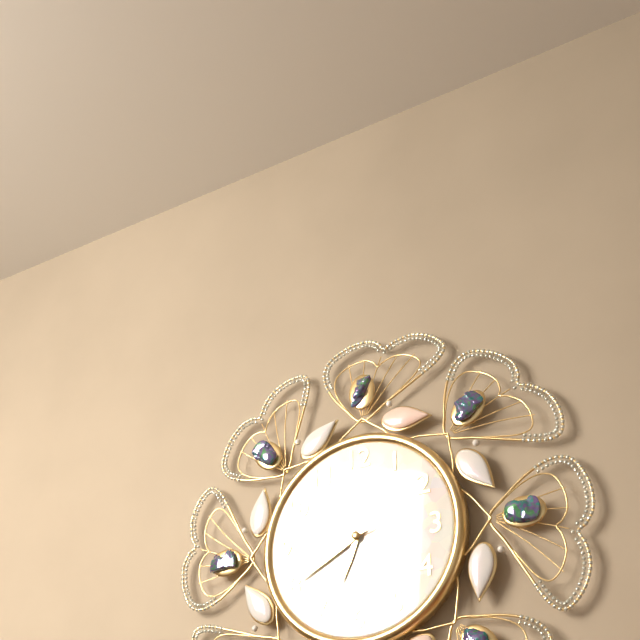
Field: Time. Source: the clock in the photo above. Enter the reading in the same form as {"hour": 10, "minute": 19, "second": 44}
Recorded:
{"hour": 6, "minute": 40, "second": 42}
